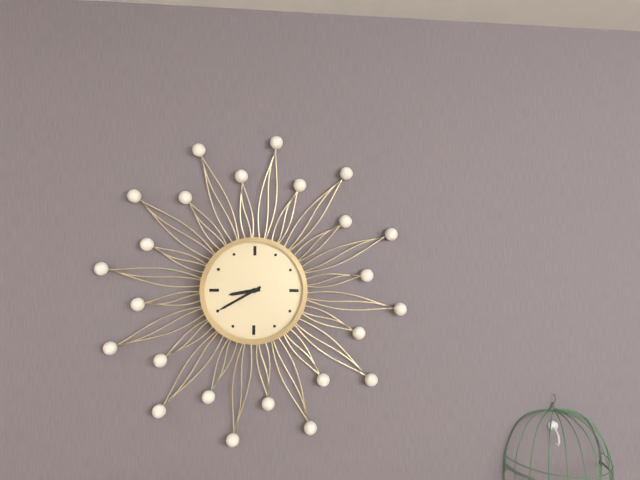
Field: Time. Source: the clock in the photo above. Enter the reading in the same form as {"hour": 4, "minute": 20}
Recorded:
{"hour": 8, "minute": 40}
